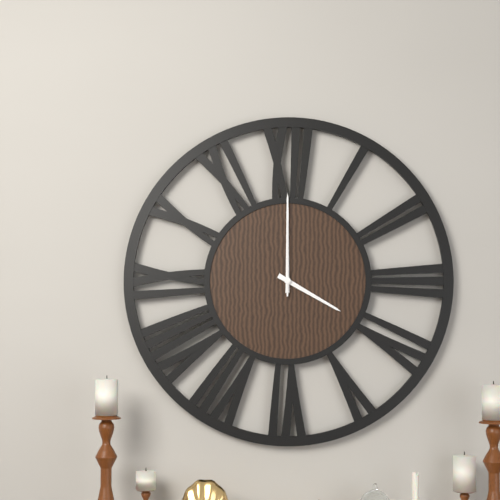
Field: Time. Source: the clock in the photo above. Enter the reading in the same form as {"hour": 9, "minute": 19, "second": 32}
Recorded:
{"hour": 4, "minute": 0, "second": 0}
